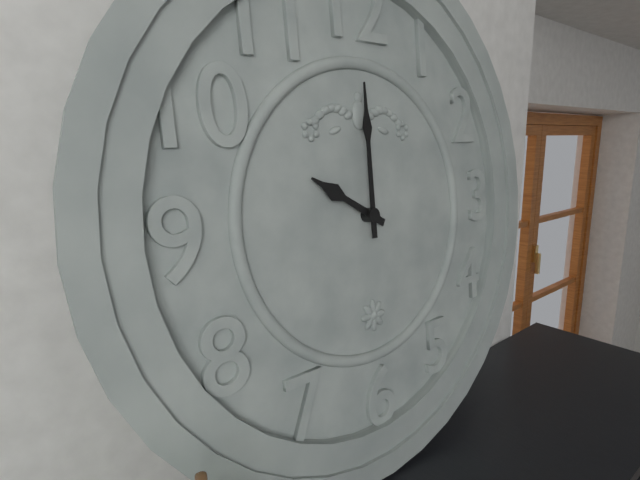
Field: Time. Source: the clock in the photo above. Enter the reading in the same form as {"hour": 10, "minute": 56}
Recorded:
{"hour": 10, "minute": 0}
